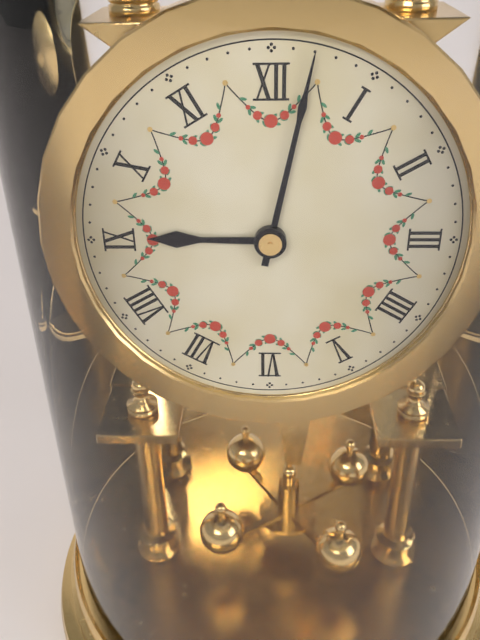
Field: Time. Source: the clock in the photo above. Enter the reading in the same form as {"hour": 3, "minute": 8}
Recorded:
{"hour": 9, "minute": 2}
